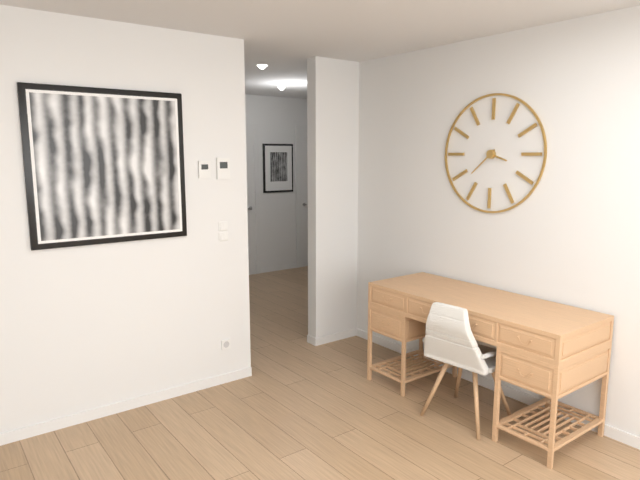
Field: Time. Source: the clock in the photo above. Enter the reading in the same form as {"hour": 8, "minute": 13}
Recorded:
{"hour": 3, "minute": 38}
